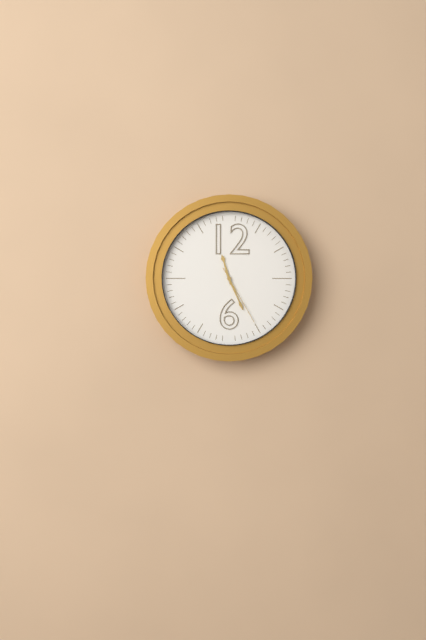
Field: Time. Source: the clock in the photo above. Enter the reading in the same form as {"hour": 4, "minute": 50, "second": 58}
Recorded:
{"hour": 11, "minute": 26, "second": 25}
